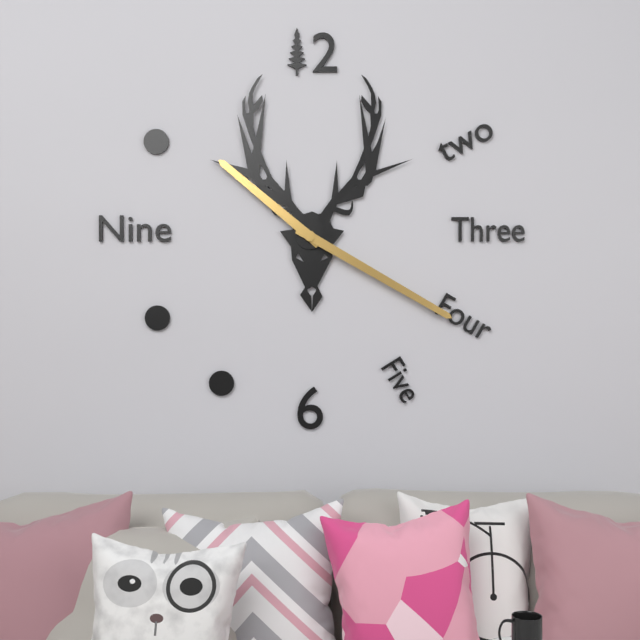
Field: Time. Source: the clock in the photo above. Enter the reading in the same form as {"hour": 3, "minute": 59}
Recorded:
{"hour": 10, "minute": 20}
